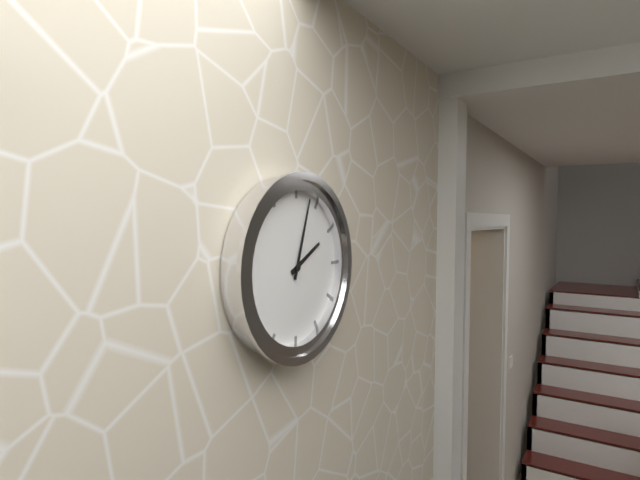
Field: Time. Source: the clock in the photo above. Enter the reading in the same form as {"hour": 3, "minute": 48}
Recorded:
{"hour": 2, "minute": 3}
